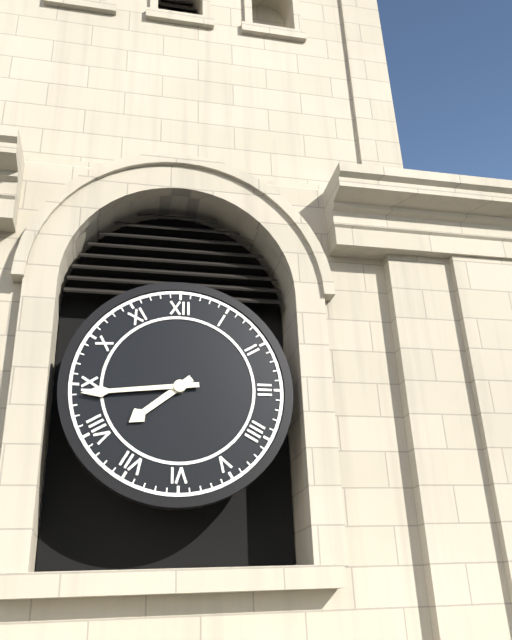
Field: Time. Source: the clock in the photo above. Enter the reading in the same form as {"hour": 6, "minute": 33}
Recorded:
{"hour": 7, "minute": 44}
